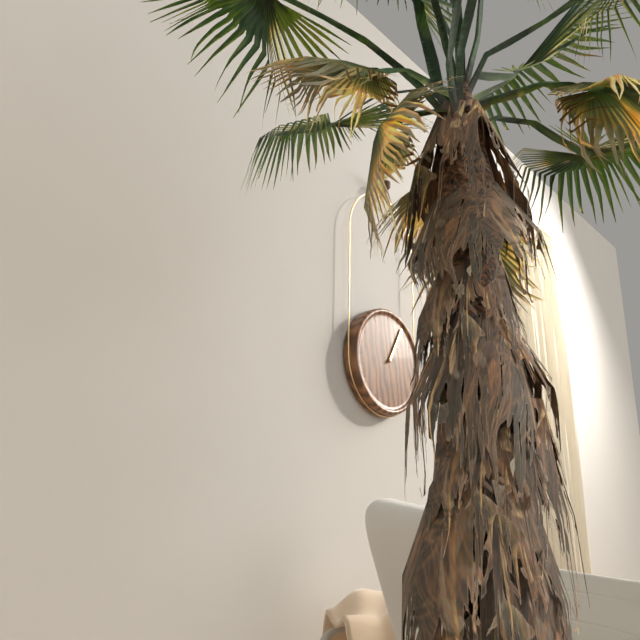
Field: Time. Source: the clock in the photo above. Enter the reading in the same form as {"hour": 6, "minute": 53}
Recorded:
{"hour": 1, "minute": 5}
